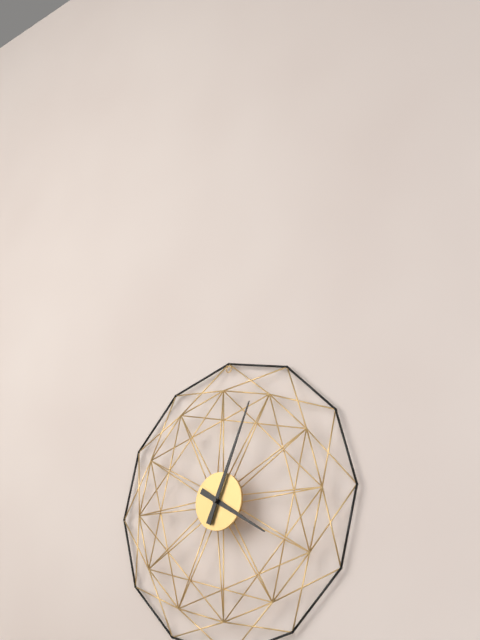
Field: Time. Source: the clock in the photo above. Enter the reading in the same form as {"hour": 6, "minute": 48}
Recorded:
{"hour": 4, "minute": 4}
